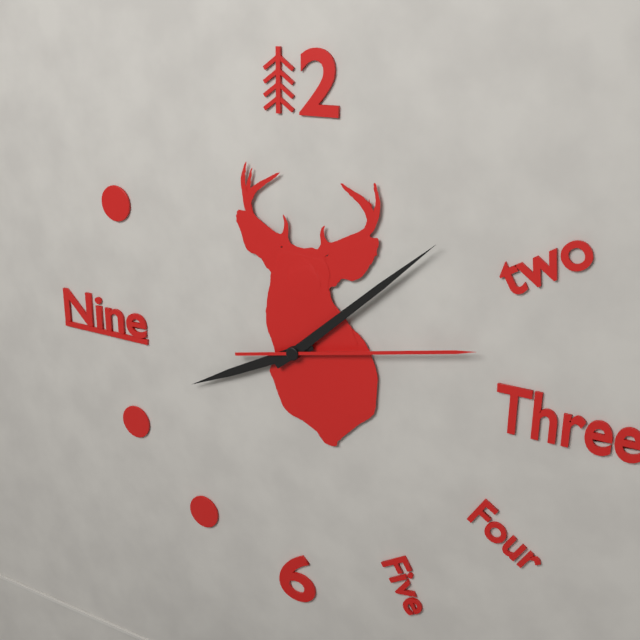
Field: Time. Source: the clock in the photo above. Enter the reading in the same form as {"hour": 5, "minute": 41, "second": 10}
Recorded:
{"hour": 8, "minute": 8, "second": 13}
